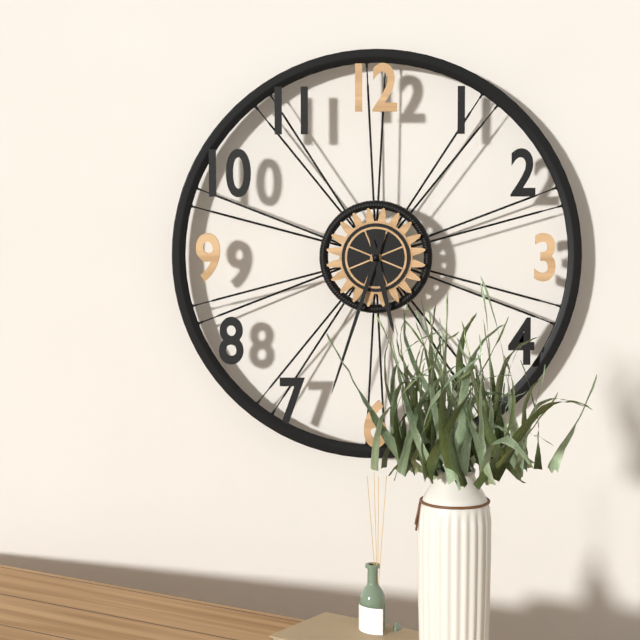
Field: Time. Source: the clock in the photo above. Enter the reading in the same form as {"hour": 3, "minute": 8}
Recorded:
{"hour": 5, "minute": 33}
